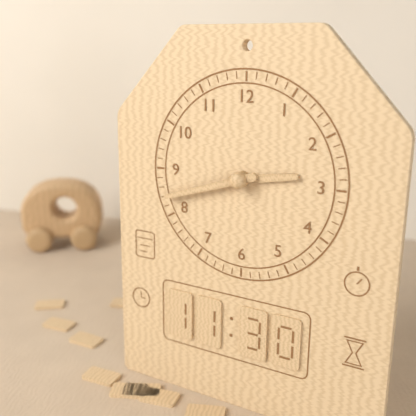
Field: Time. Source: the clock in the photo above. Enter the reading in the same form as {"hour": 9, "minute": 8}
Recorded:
{"hour": 2, "minute": 42}
